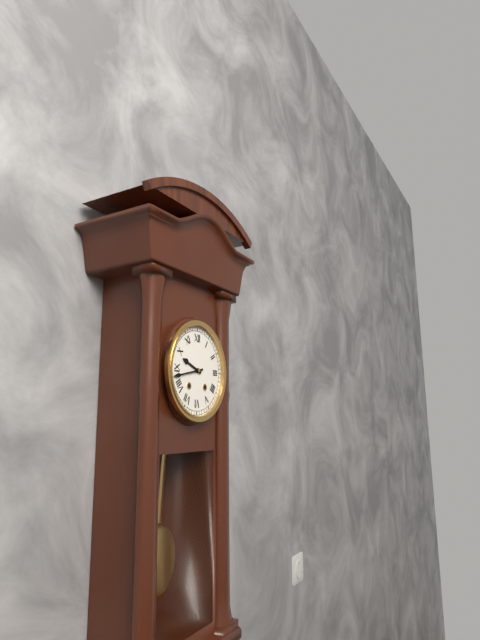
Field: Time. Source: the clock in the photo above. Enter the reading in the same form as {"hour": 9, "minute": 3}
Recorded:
{"hour": 9, "minute": 43}
